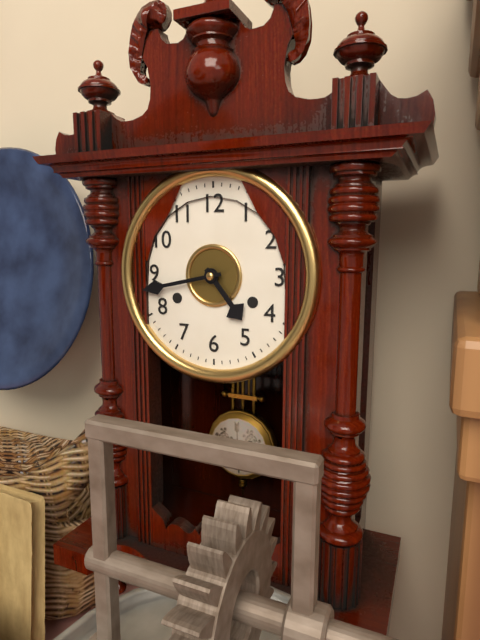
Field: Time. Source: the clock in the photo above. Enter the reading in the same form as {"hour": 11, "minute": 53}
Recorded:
{"hour": 4, "minute": 43}
